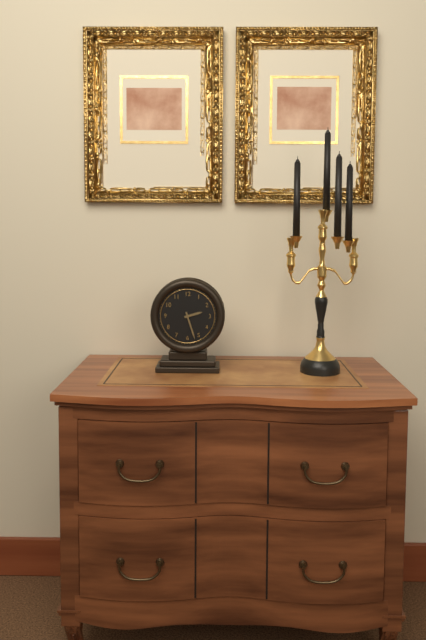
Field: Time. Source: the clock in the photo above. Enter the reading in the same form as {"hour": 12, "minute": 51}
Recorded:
{"hour": 2, "minute": 27}
